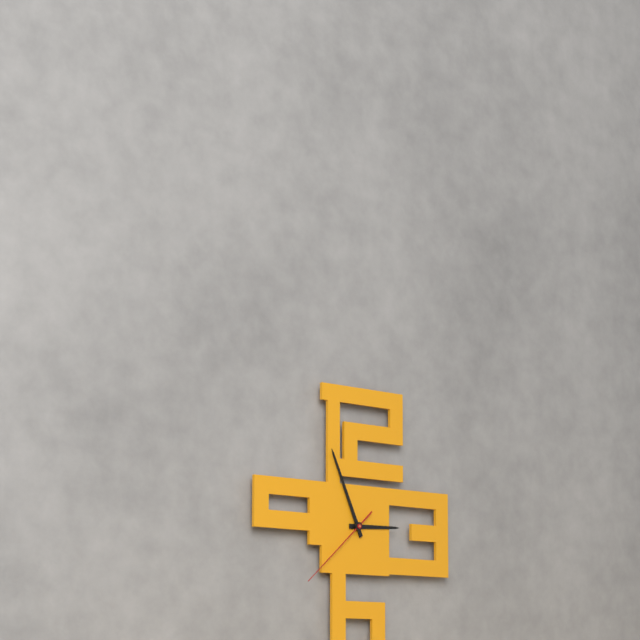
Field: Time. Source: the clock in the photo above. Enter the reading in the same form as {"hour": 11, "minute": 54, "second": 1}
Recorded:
{"hour": 2, "minute": 56, "second": 38}
